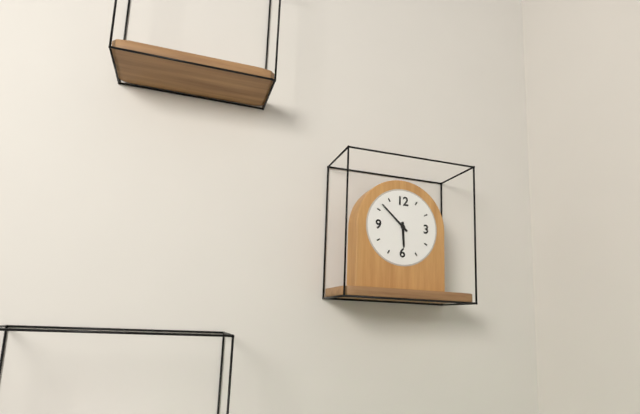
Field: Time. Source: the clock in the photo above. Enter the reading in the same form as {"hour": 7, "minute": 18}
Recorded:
{"hour": 5, "minute": 52}
